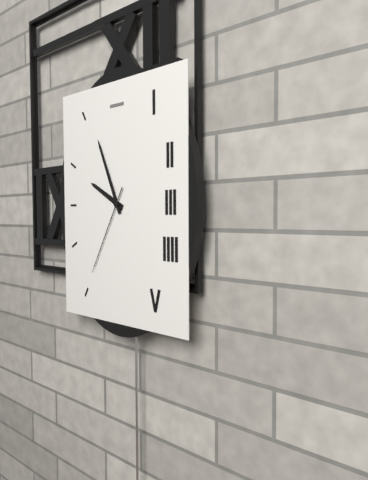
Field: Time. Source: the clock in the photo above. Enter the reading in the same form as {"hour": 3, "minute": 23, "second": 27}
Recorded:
{"hour": 9, "minute": 56, "second": 35}
